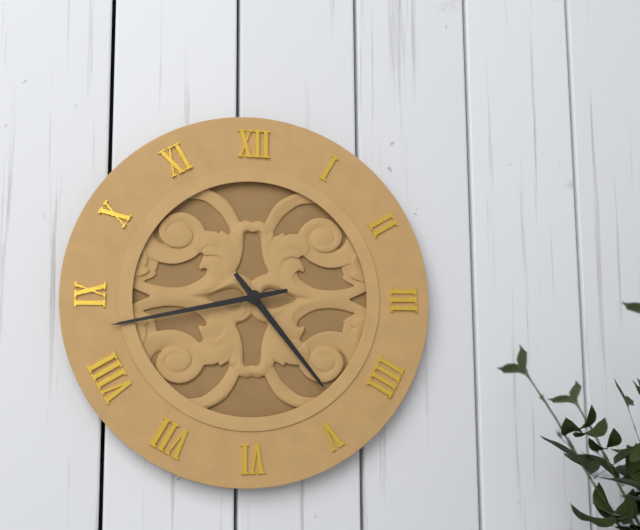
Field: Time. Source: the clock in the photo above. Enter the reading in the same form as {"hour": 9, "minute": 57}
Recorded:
{"hour": 4, "minute": 43}
